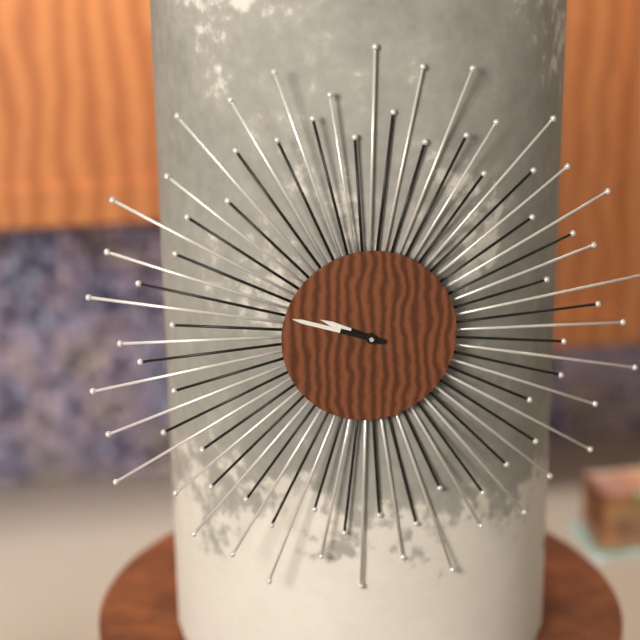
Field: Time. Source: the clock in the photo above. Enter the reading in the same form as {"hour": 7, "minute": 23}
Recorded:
{"hour": 9, "minute": 48}
